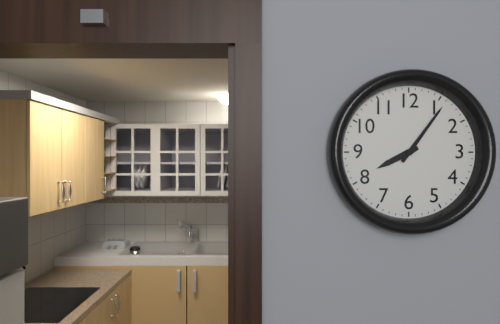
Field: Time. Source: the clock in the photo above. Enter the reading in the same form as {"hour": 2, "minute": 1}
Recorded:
{"hour": 8, "minute": 6}
